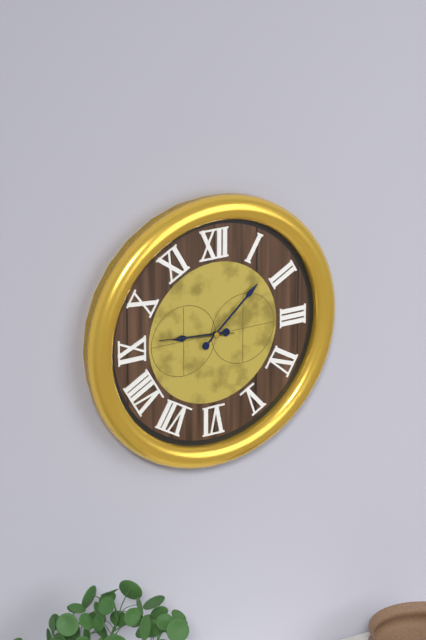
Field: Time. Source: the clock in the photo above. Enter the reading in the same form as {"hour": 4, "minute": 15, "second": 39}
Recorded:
{"hour": 9, "minute": 8, "second": 46}
